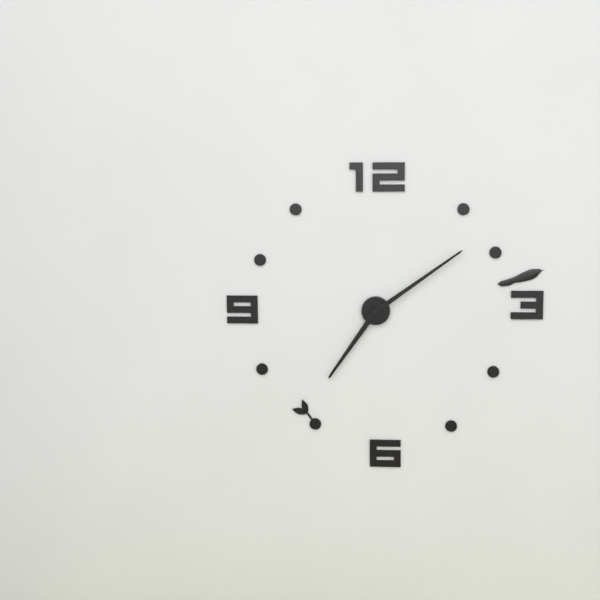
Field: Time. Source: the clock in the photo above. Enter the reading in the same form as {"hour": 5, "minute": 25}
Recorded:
{"hour": 7, "minute": 9}
